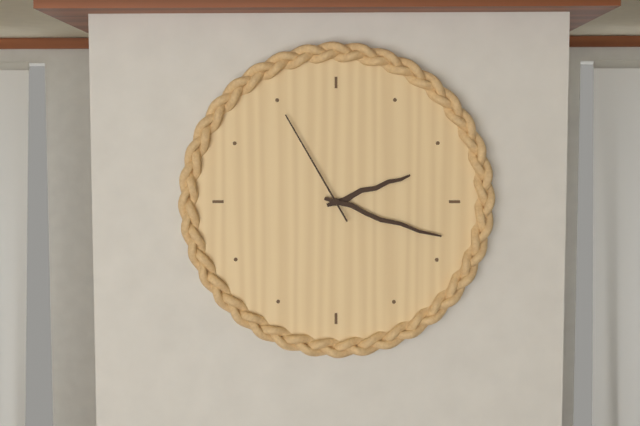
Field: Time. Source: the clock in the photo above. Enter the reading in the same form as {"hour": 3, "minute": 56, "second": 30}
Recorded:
{"hour": 2, "minute": 18, "second": 55}
